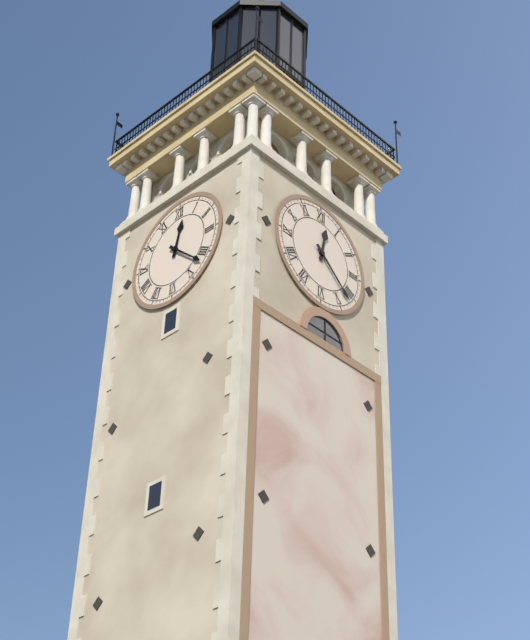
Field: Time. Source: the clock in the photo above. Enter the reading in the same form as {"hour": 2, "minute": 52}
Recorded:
{"hour": 12, "minute": 22}
